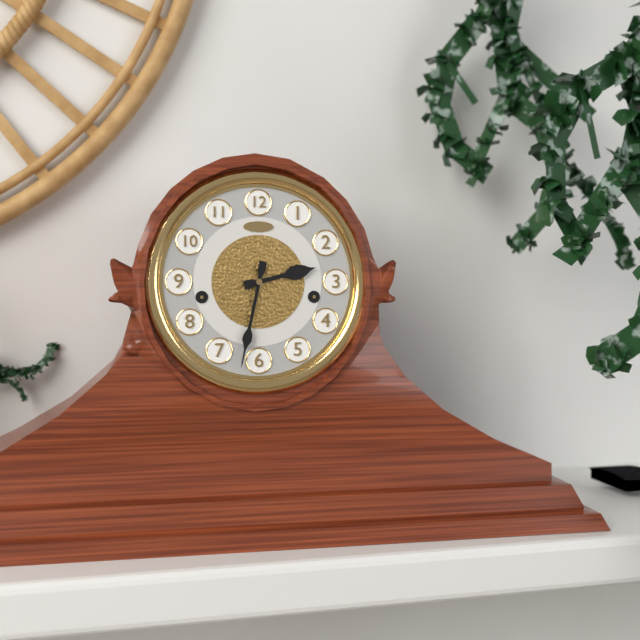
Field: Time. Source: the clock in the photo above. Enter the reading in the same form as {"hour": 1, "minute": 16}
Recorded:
{"hour": 2, "minute": 32}
